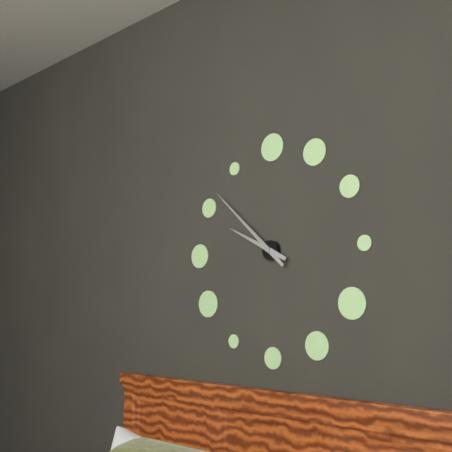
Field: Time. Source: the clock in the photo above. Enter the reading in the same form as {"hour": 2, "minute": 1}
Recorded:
{"hour": 9, "minute": 52}
